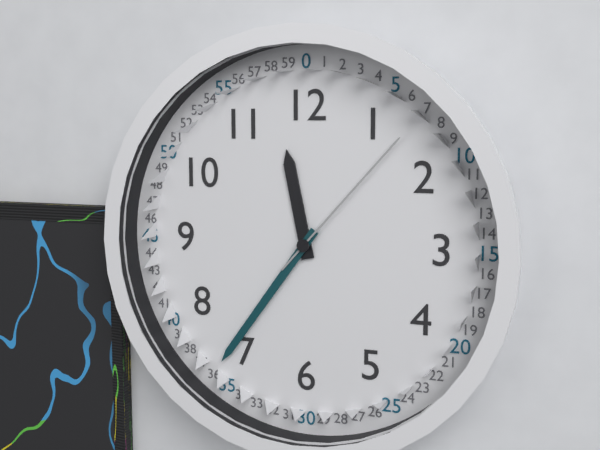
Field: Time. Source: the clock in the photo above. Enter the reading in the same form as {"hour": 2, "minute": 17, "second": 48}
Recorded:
{"hour": 11, "minute": 36, "second": 7}
